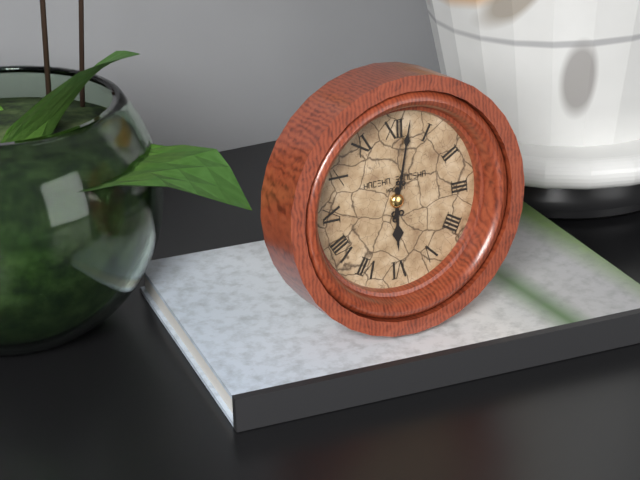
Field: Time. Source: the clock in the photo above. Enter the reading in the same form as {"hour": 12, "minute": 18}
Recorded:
{"hour": 6, "minute": 2}
